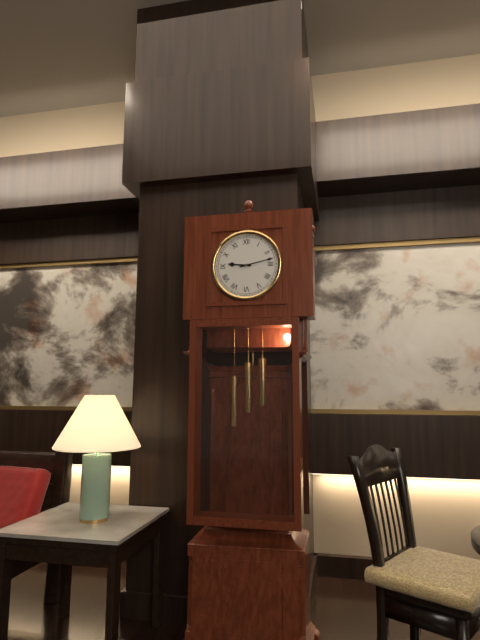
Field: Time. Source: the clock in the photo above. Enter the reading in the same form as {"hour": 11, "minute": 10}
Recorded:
{"hour": 9, "minute": 13}
